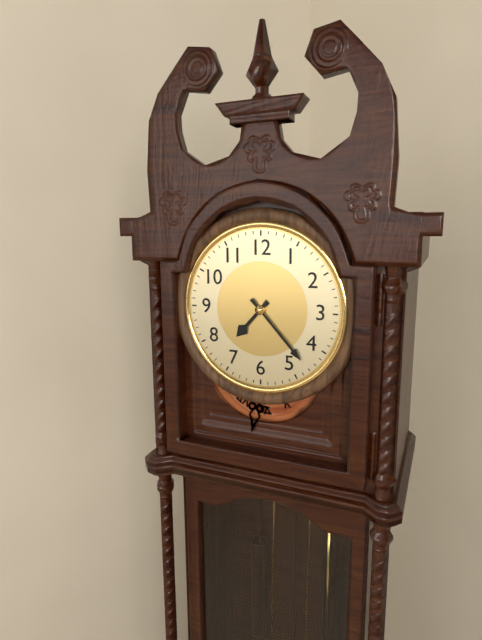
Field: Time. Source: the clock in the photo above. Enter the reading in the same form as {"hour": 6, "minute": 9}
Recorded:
{"hour": 7, "minute": 23}
